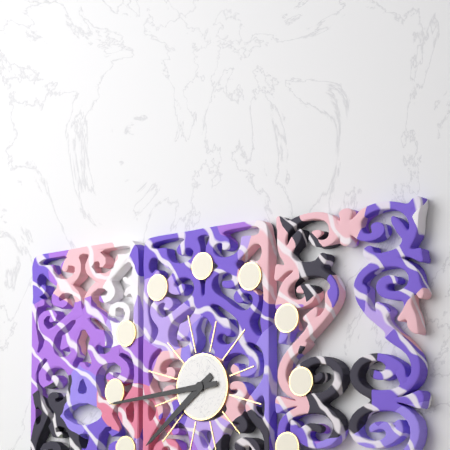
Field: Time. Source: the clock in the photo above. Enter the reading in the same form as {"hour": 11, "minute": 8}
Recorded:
{"hour": 7, "minute": 44}
